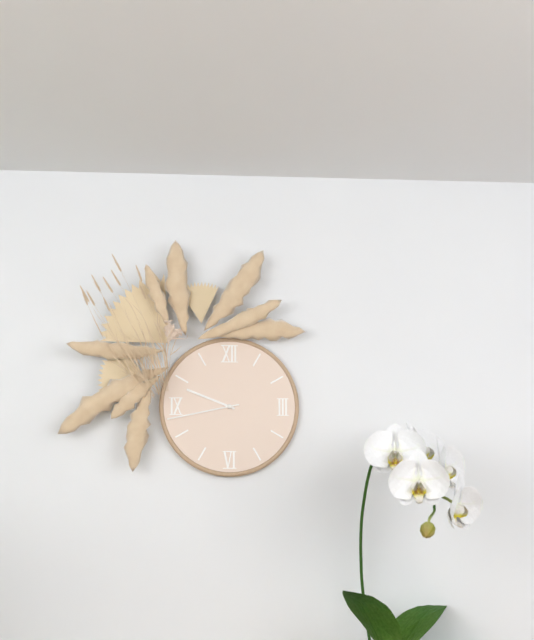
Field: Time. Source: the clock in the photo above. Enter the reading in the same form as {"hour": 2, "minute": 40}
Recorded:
{"hour": 9, "minute": 43}
